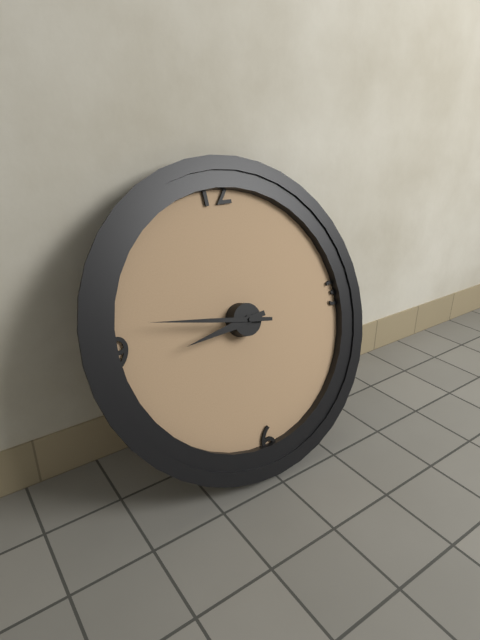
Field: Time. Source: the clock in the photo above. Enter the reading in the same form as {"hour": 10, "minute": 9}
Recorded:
{"hour": 8, "minute": 47}
